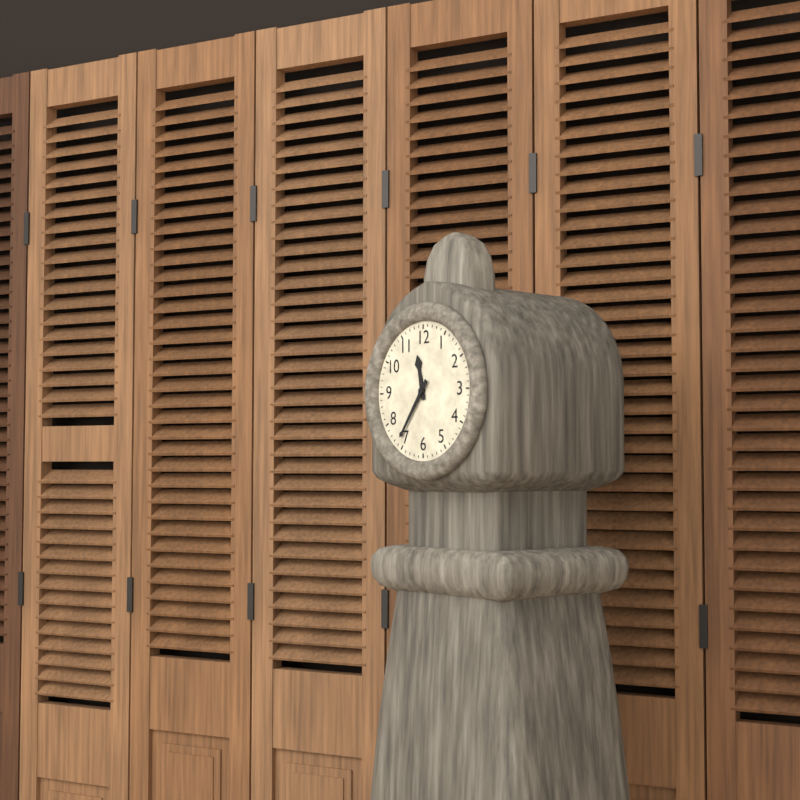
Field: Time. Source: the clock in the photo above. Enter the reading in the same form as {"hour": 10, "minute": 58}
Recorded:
{"hour": 11, "minute": 36}
